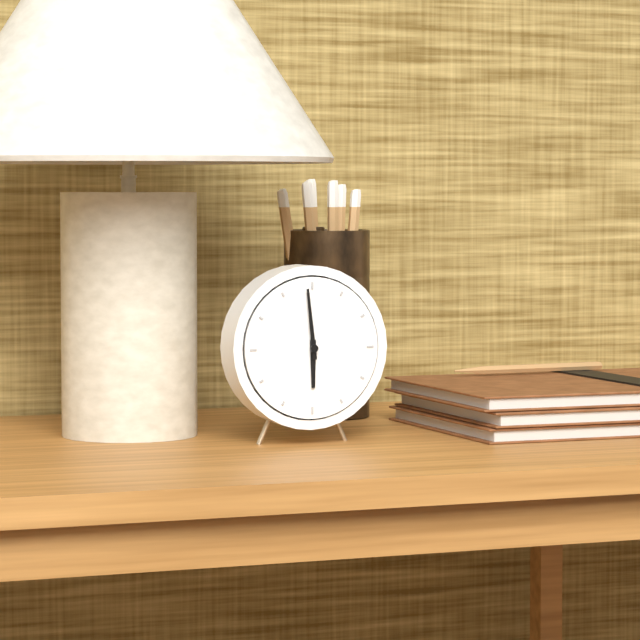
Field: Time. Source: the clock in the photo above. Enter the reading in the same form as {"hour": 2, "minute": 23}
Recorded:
{"hour": 5, "minute": 59}
